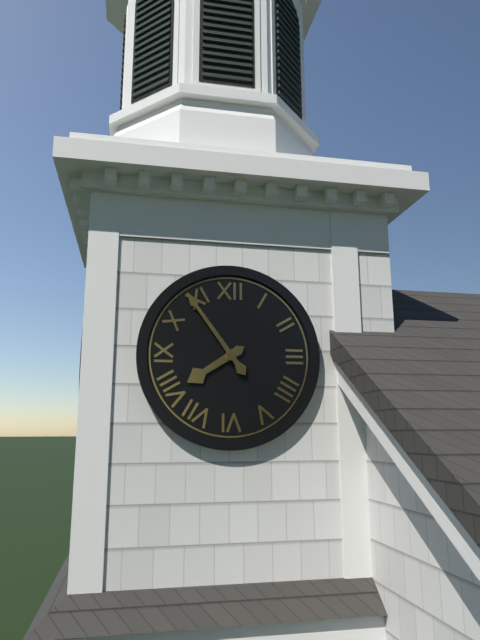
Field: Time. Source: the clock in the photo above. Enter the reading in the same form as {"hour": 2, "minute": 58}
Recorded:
{"hour": 7, "minute": 54}
